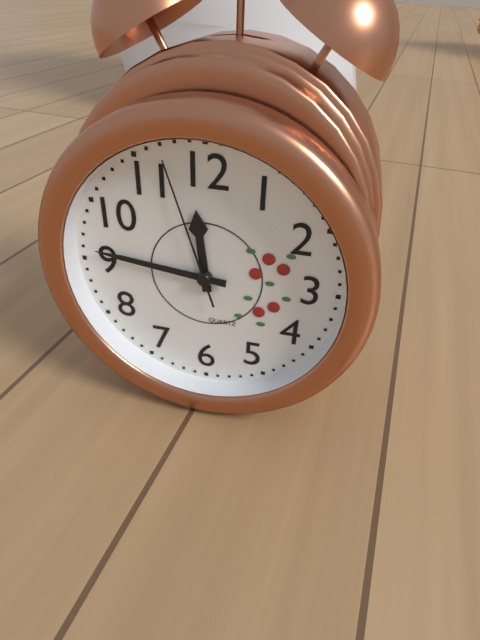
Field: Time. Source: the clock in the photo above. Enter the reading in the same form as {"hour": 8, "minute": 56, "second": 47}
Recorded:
{"hour": 11, "minute": 46, "second": 57}
